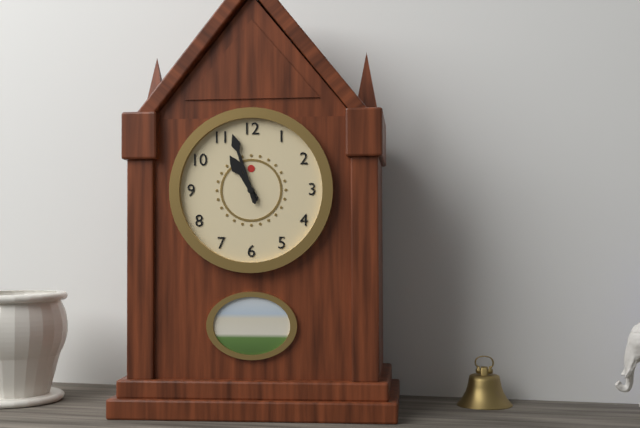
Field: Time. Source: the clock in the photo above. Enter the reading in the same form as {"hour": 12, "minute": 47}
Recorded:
{"hour": 10, "minute": 57}
